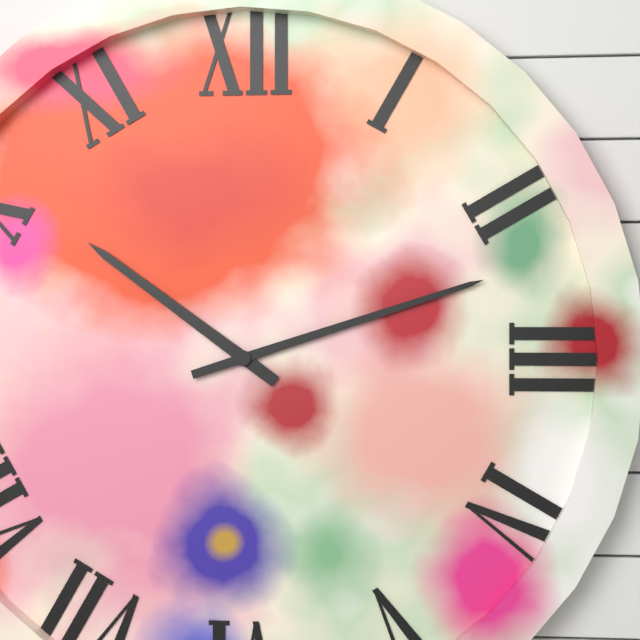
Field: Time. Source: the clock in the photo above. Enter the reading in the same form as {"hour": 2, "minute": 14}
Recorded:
{"hour": 10, "minute": 12}
